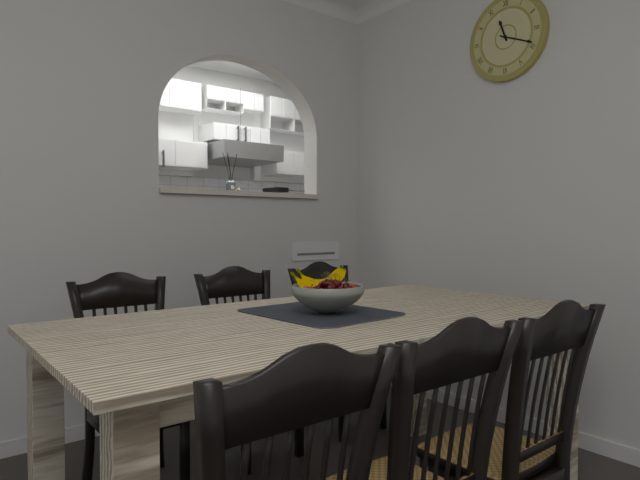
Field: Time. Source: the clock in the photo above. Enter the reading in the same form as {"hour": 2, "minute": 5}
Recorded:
{"hour": 11, "minute": 19}
